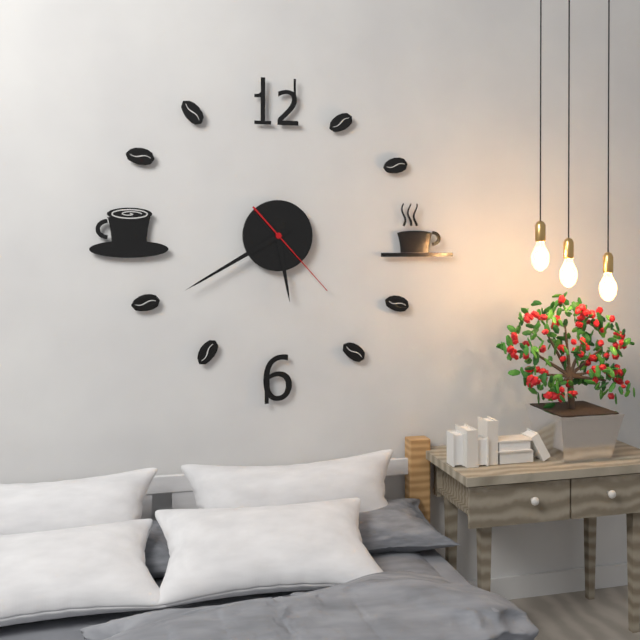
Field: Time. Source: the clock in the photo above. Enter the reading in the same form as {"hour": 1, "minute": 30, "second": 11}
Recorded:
{"hour": 5, "minute": 40, "second": 23}
